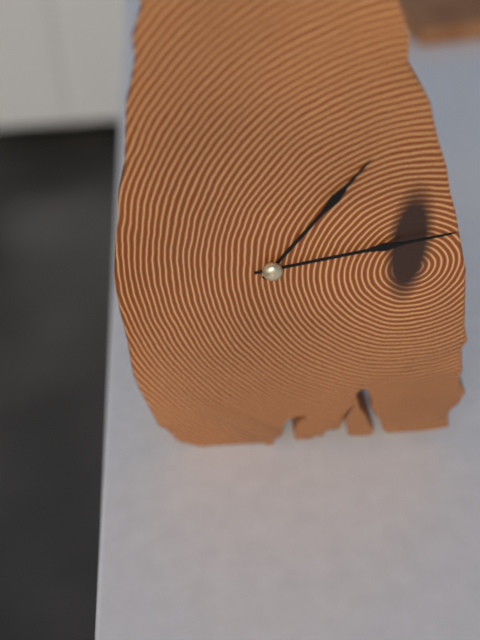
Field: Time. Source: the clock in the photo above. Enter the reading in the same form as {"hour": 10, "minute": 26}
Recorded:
{"hour": 1, "minute": 13}
